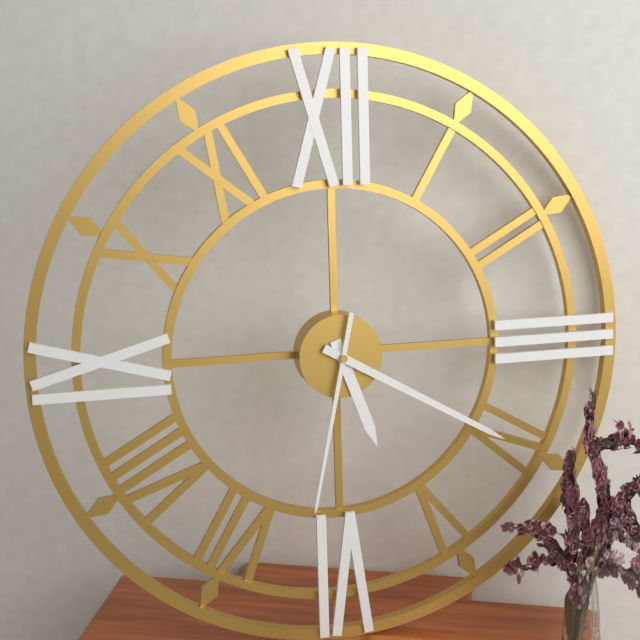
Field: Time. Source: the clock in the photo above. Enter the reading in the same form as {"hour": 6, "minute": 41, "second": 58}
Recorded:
{"hour": 5, "minute": 20, "second": 32}
